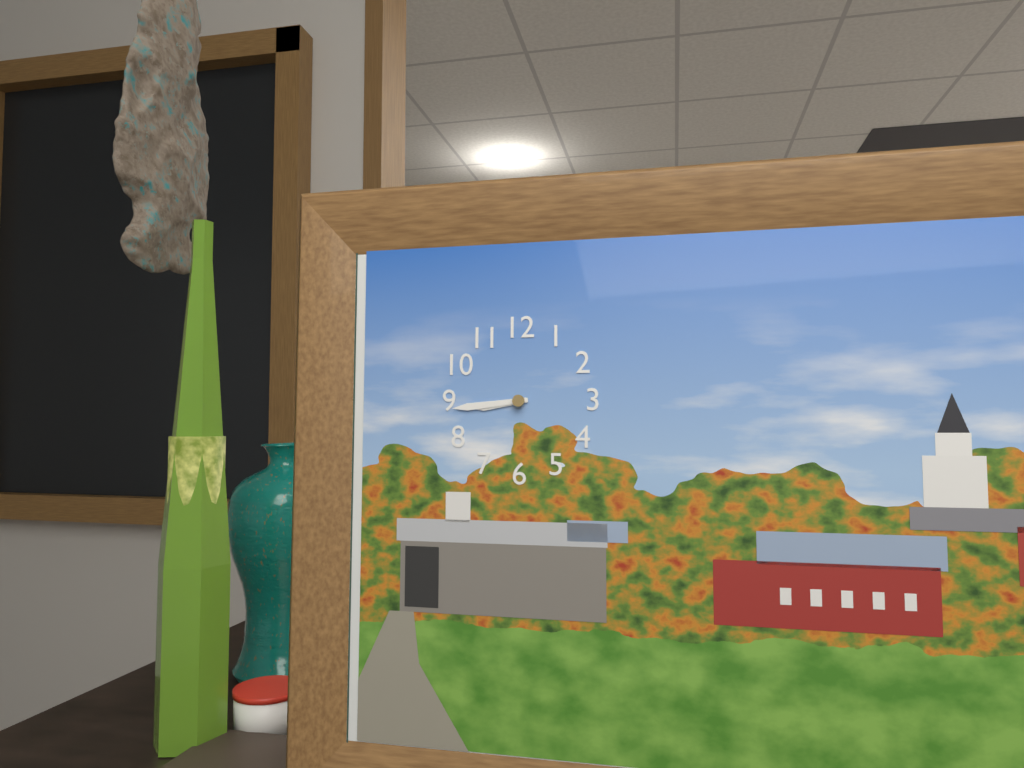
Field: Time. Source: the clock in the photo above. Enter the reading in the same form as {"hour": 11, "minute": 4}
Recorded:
{"hour": 8, "minute": 44}
